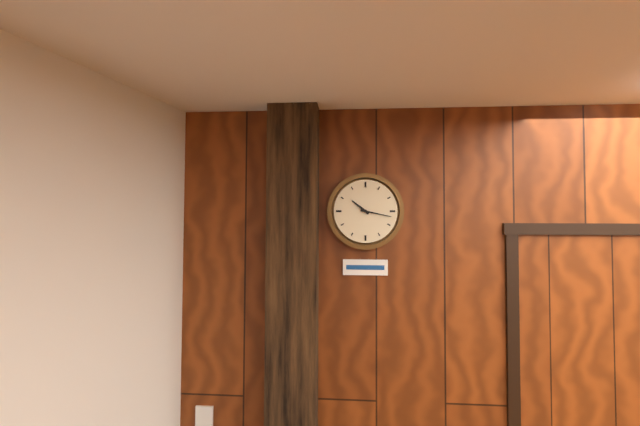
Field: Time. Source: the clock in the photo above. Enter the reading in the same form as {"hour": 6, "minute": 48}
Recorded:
{"hour": 10, "minute": 17}
